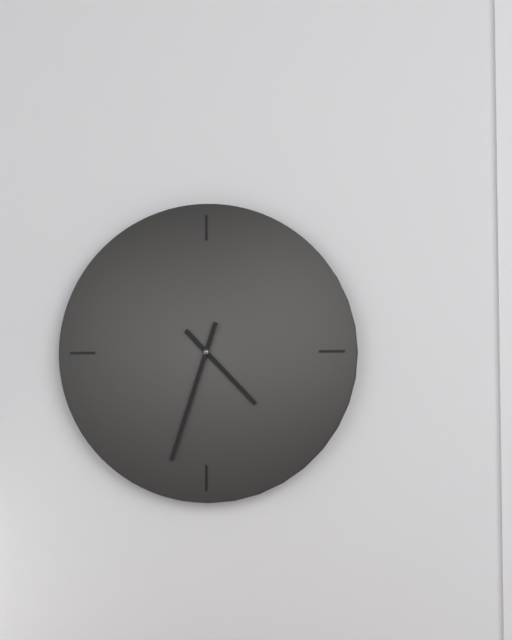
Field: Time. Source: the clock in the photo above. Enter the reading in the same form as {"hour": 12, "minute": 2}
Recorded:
{"hour": 4, "minute": 33}
